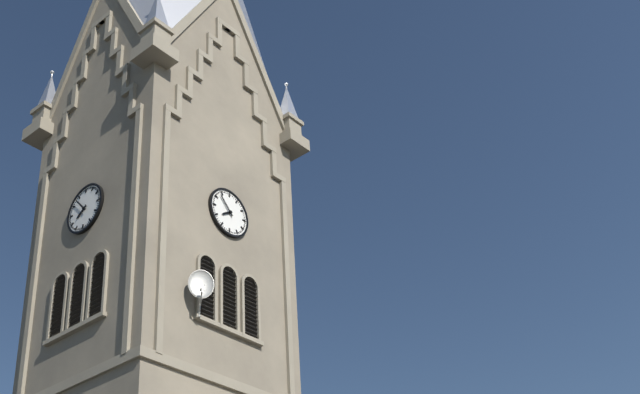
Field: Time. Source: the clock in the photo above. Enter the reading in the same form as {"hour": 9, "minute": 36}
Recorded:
{"hour": 7, "minute": 53}
